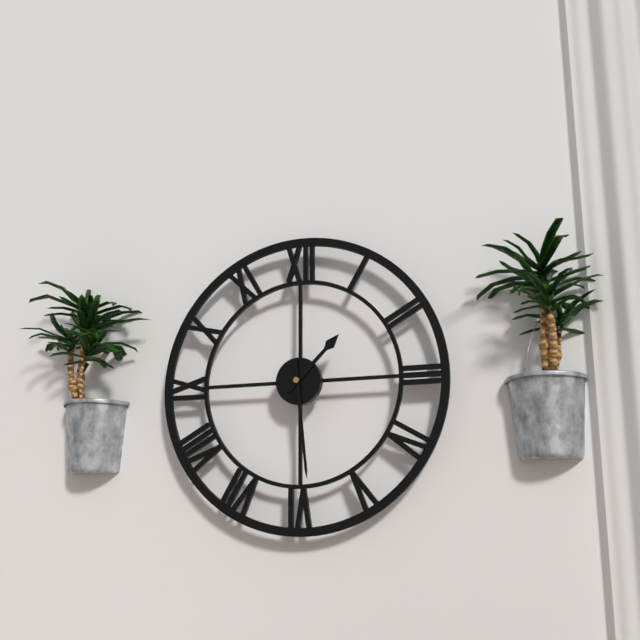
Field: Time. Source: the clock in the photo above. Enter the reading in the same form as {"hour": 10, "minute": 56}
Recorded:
{"hour": 1, "minute": 29}
